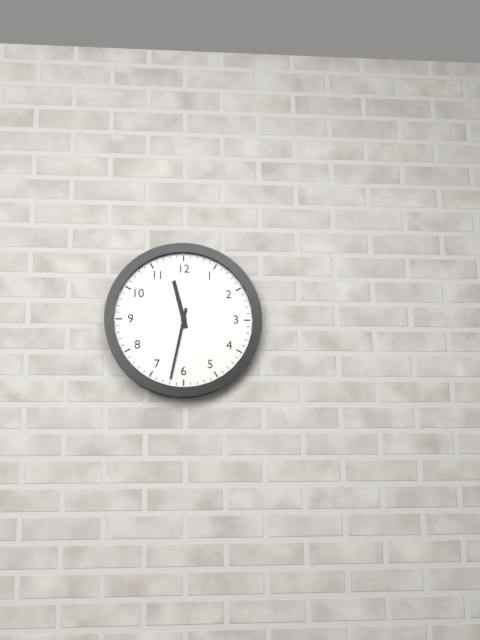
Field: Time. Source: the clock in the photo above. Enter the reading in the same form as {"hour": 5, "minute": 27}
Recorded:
{"hour": 11, "minute": 32}
